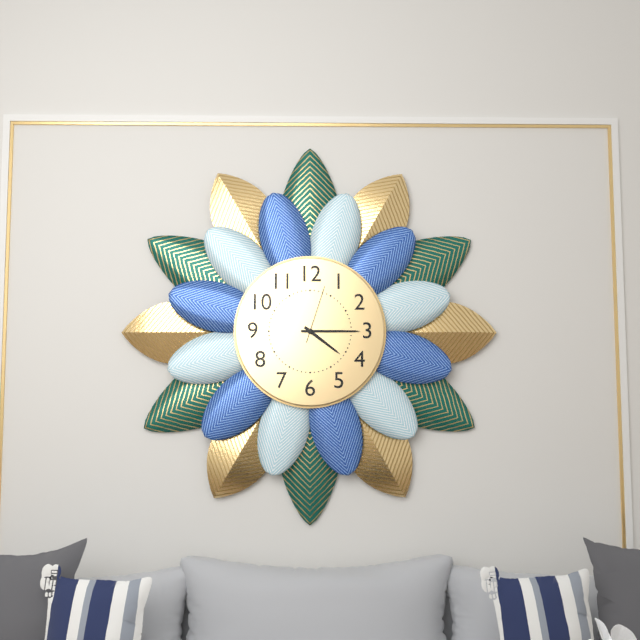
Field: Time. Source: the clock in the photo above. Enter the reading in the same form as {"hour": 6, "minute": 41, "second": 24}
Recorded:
{"hour": 4, "minute": 15, "second": 3}
